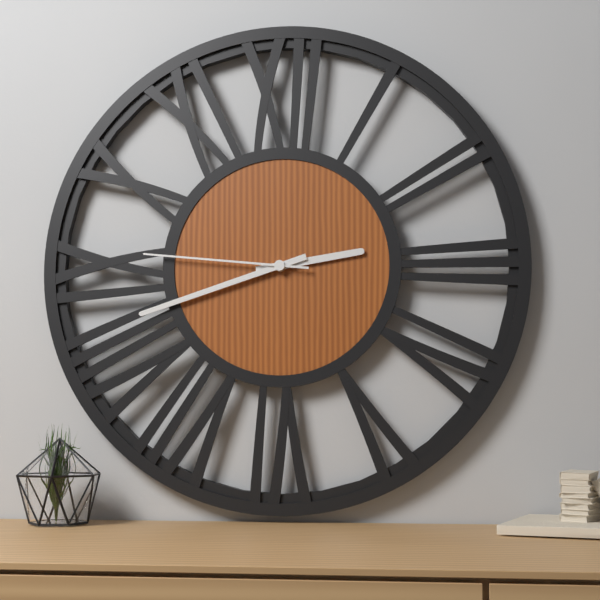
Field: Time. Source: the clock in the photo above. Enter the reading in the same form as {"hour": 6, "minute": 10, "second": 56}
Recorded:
{"hour": 2, "minute": 42, "second": 46}
